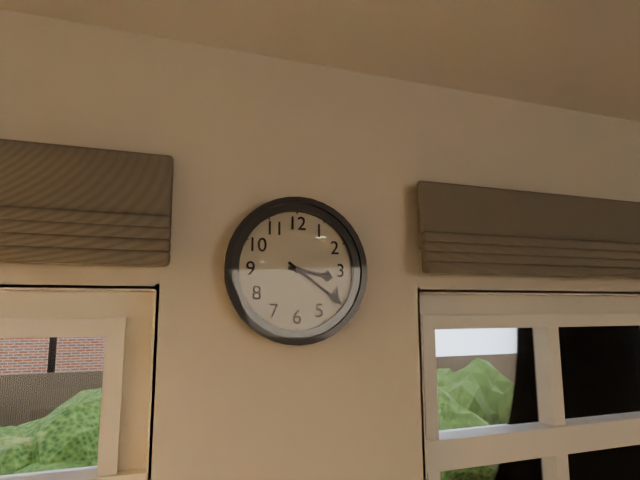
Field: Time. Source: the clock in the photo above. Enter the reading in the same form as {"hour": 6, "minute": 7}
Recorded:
{"hour": 3, "minute": 21}
